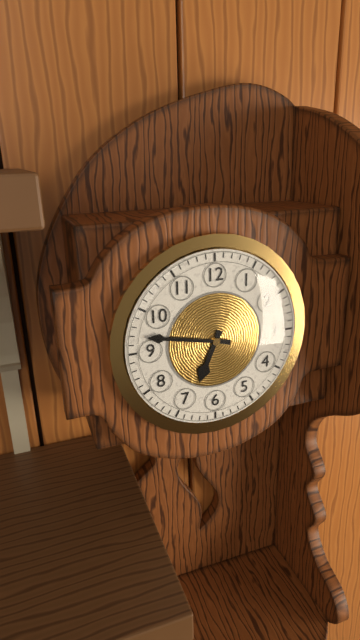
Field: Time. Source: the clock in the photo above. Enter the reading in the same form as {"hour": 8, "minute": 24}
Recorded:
{"hour": 6, "minute": 47}
